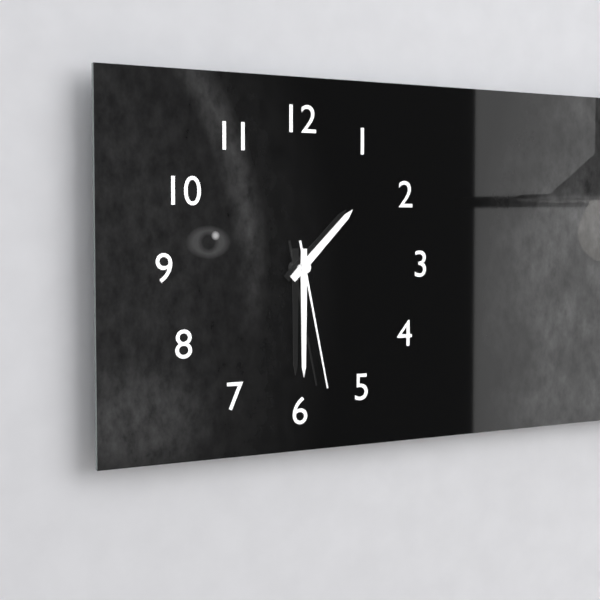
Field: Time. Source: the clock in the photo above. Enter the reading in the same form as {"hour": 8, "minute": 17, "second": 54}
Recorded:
{"hour": 1, "minute": 30, "second": 28}
